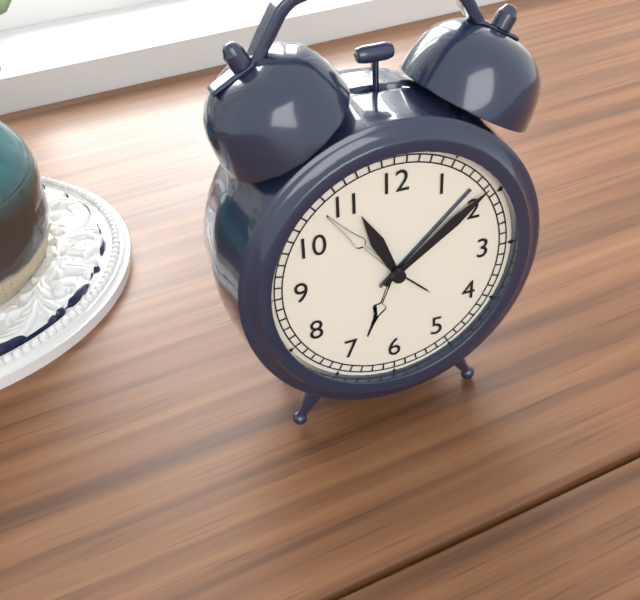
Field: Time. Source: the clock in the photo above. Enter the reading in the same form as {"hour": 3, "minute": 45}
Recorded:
{"hour": 11, "minute": 9}
